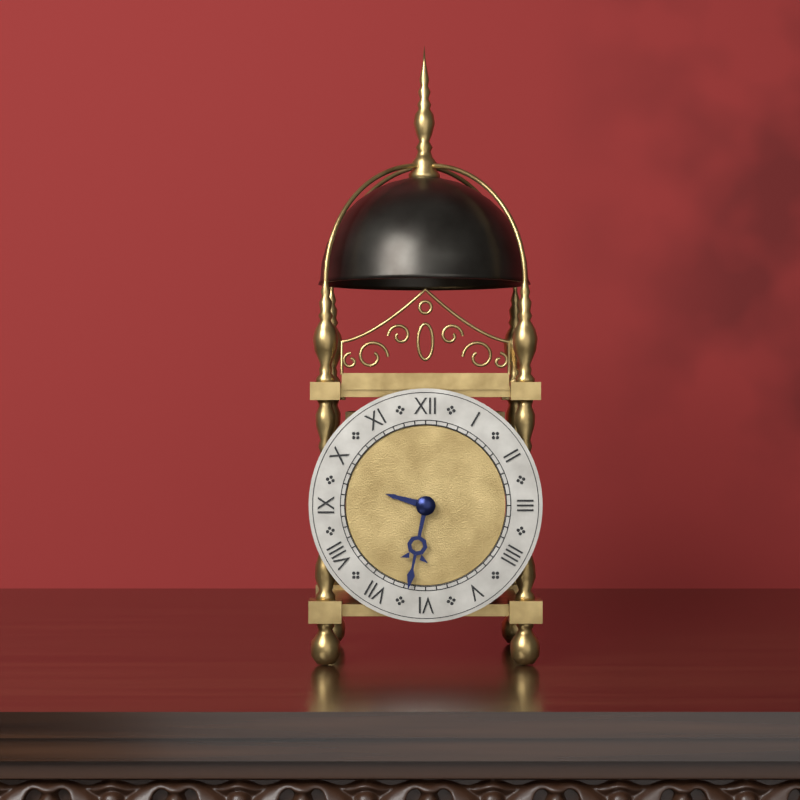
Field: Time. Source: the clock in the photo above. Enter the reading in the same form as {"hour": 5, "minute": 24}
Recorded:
{"hour": 9, "minute": 32}
